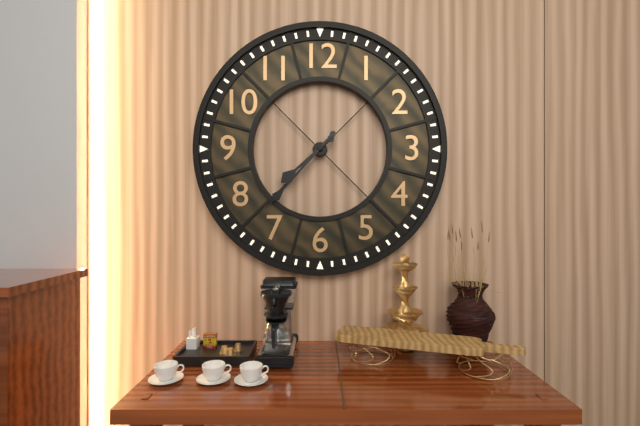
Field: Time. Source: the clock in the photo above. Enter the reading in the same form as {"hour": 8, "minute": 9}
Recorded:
{"hour": 7, "minute": 37}
